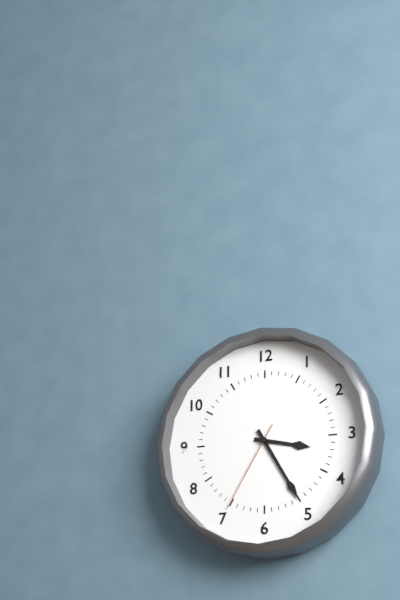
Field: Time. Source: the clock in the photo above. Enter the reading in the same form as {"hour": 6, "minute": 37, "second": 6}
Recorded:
{"hour": 3, "minute": 25, "second": 35}
